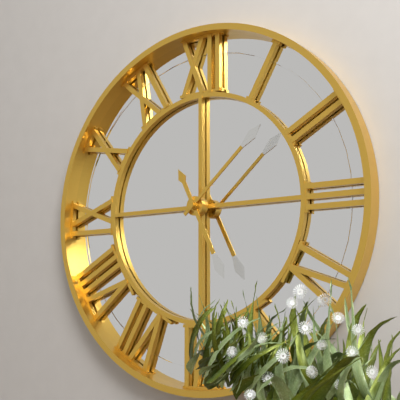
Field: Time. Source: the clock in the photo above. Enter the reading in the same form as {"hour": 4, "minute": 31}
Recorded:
{"hour": 5, "minute": 8}
